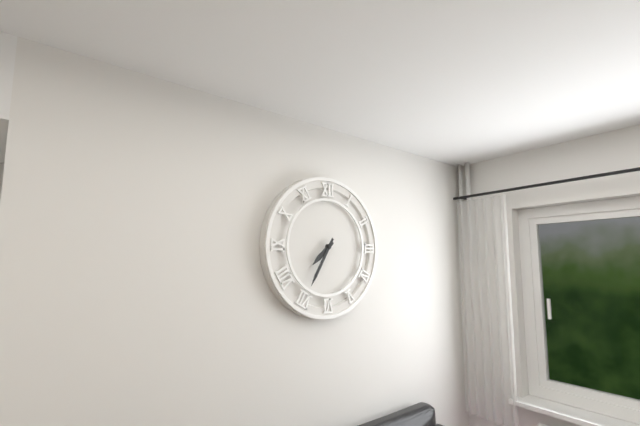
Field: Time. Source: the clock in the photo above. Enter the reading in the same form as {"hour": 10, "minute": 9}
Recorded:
{"hour": 7, "minute": 35}
